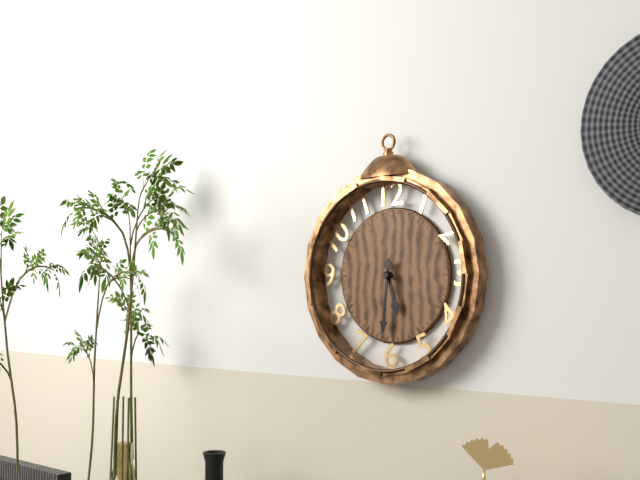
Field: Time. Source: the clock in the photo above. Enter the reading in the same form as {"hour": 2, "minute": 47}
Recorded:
{"hour": 5, "minute": 31}
